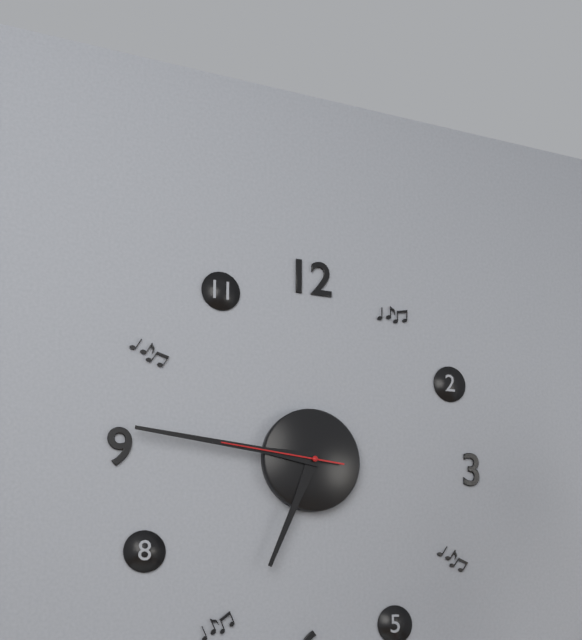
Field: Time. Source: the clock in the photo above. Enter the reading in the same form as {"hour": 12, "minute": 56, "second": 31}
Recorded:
{"hour": 6, "minute": 46, "second": 46}
